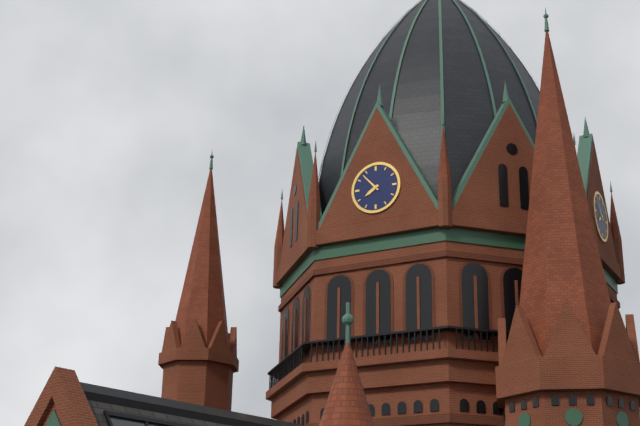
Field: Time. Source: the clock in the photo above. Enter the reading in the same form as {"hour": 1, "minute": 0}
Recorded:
{"hour": 7, "minute": 53}
